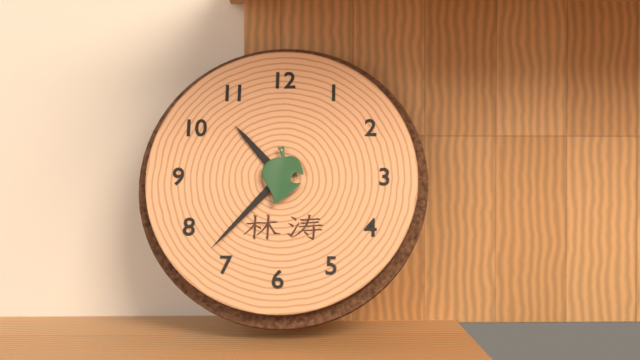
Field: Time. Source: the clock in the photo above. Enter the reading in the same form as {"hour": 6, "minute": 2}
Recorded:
{"hour": 10, "minute": 37}
